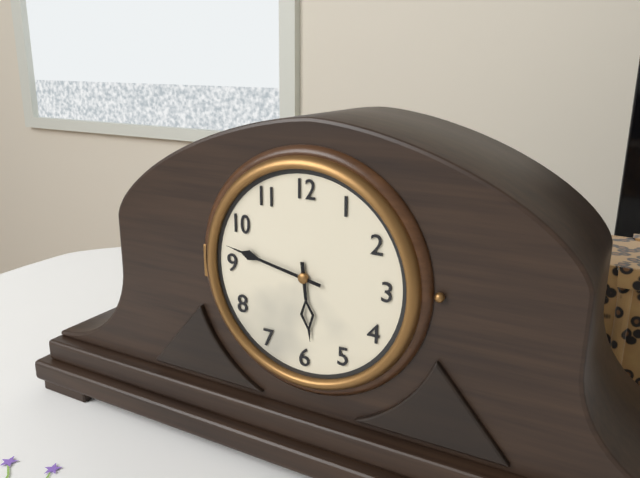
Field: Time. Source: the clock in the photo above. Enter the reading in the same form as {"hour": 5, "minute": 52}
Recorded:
{"hour": 5, "minute": 47}
